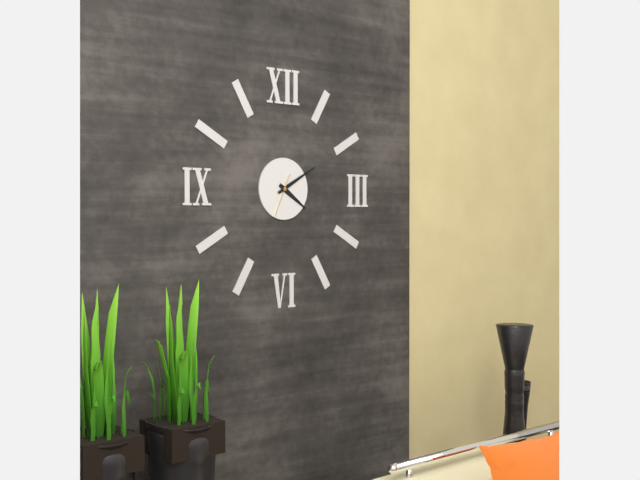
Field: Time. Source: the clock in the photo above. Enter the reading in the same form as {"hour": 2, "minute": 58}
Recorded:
{"hour": 4, "minute": 10}
